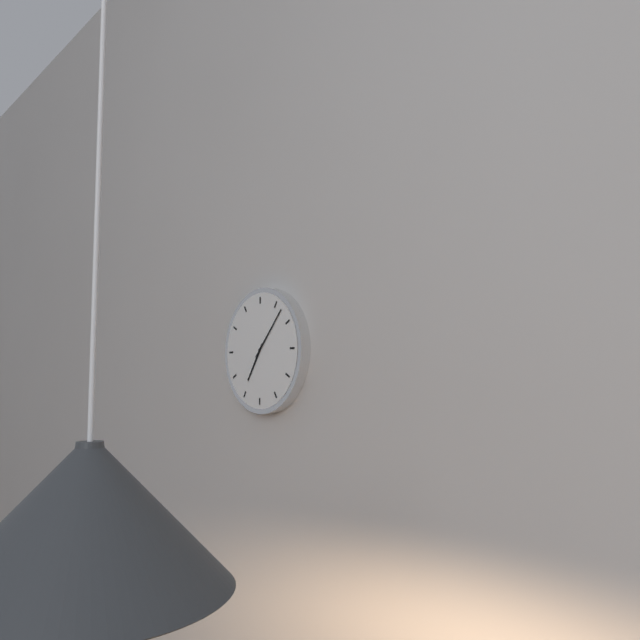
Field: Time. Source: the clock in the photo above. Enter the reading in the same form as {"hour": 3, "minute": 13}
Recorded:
{"hour": 7, "minute": 7}
